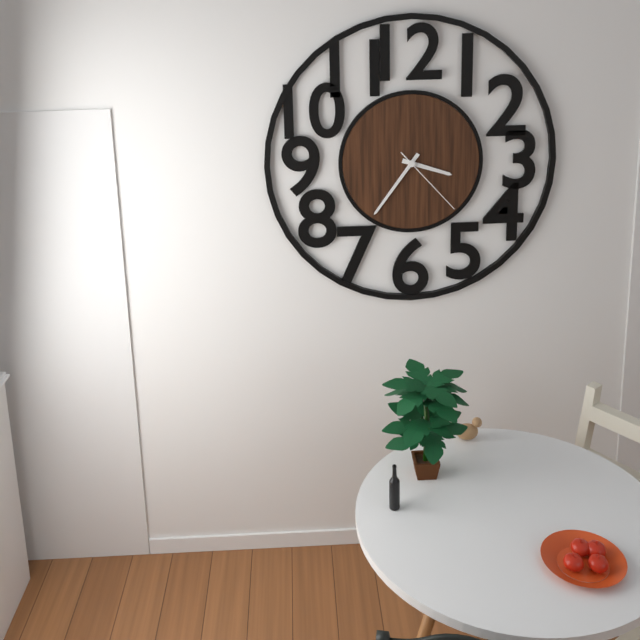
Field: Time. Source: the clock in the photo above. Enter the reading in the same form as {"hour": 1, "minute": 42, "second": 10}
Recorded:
{"hour": 3, "minute": 36, "second": 23}
